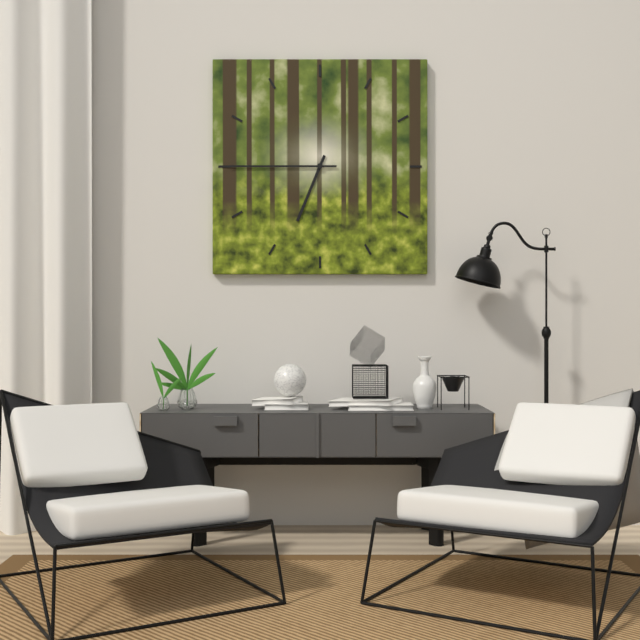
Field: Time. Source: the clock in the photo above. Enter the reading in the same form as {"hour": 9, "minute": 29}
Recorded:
{"hour": 6, "minute": 45}
